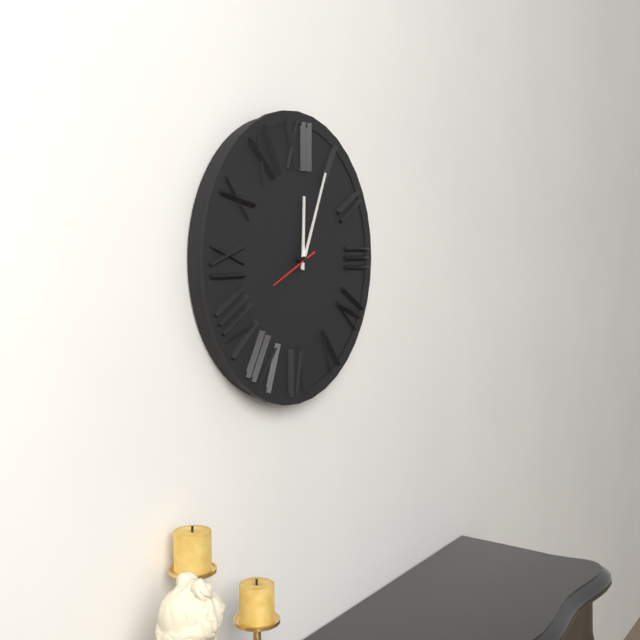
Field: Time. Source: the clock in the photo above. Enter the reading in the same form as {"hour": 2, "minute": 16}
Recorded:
{"hour": 12, "minute": 4}
